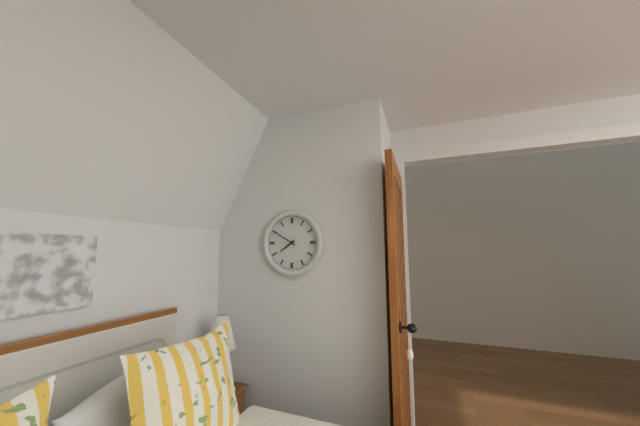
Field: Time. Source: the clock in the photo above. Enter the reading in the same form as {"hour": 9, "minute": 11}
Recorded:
{"hour": 7, "minute": 50}
